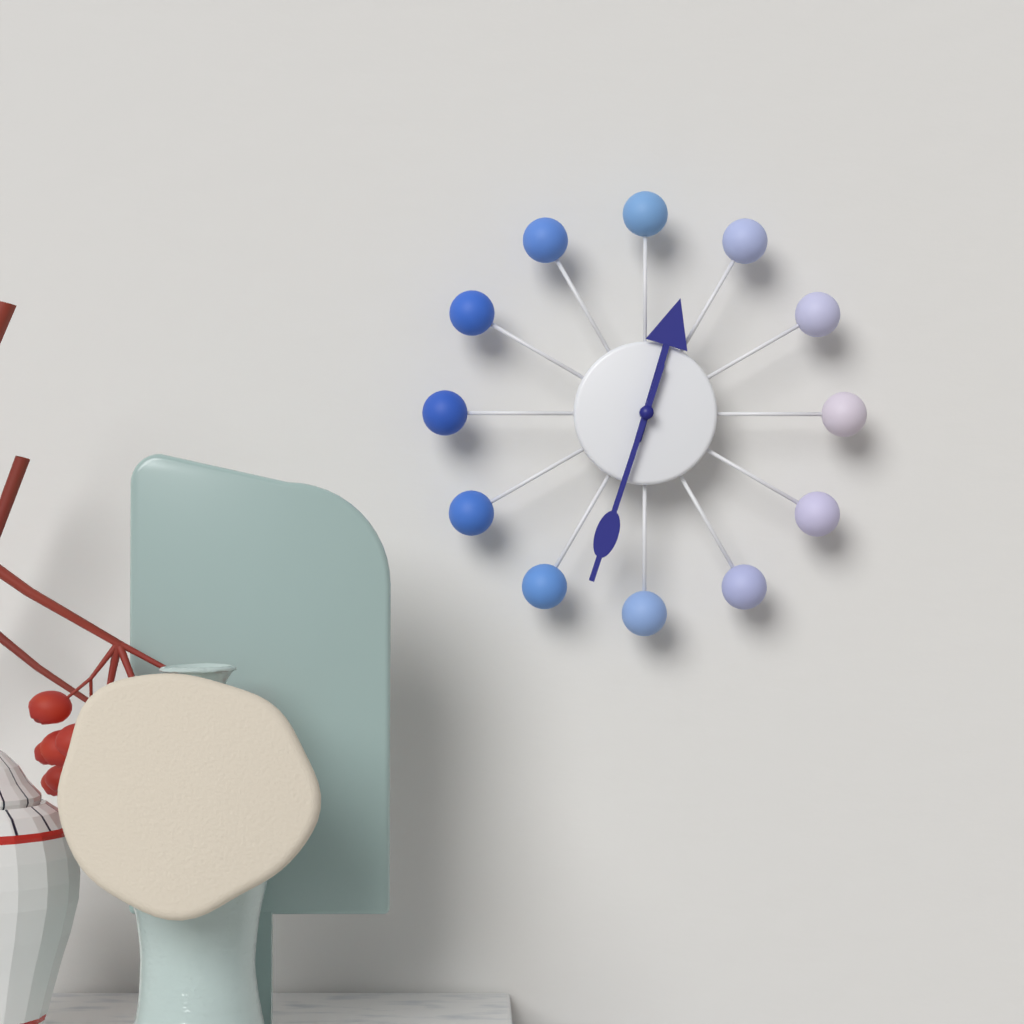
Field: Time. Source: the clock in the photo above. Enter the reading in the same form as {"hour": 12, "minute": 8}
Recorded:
{"hour": 12, "minute": 33}
